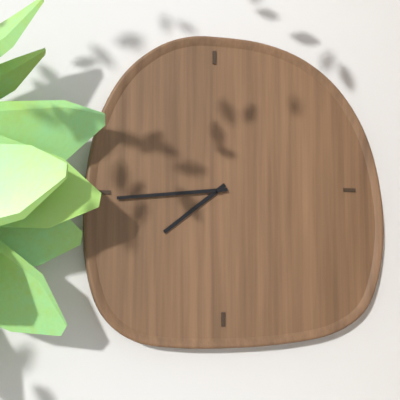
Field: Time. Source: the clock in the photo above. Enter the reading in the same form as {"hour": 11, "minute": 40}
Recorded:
{"hour": 7, "minute": 44}
